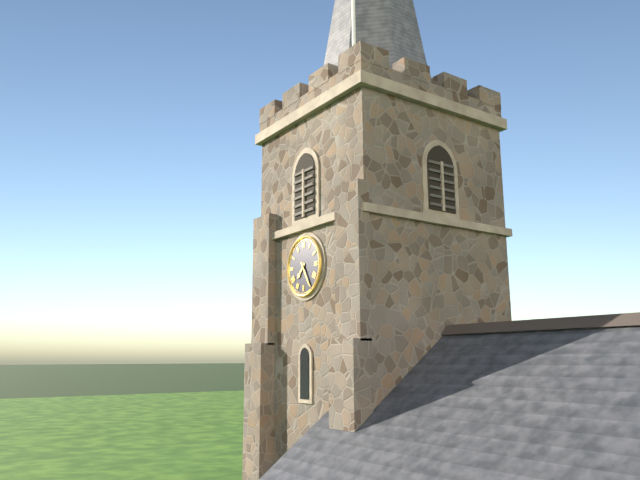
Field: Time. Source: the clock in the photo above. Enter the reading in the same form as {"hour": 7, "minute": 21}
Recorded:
{"hour": 7, "minute": 25}
